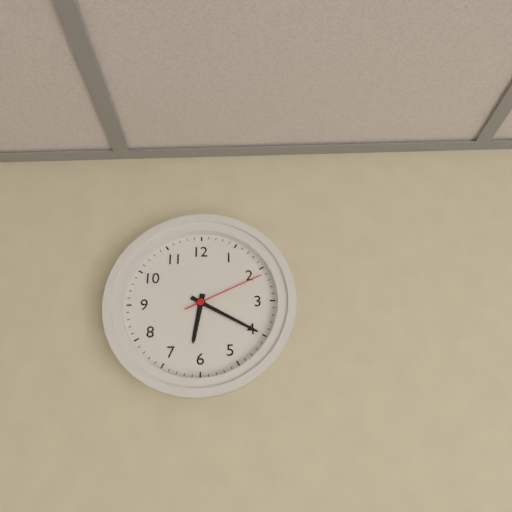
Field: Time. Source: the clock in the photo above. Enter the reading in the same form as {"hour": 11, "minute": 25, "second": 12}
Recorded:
{"hour": 6, "minute": 20, "second": 11}
